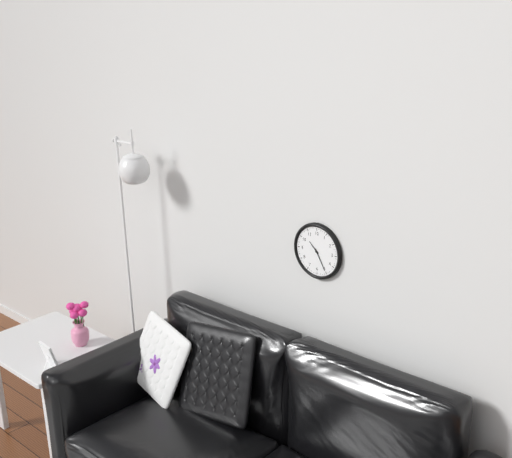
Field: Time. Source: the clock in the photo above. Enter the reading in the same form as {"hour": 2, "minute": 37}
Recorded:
{"hour": 10, "minute": 25}
